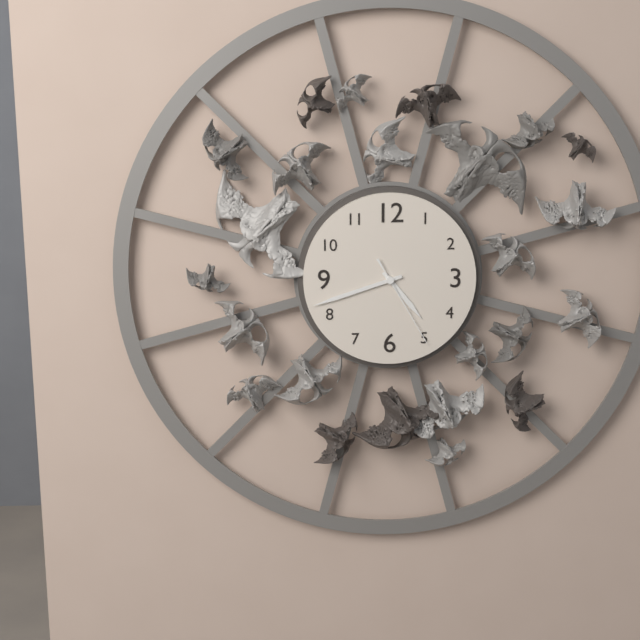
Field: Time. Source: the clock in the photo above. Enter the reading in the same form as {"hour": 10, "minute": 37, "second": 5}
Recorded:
{"hour": 4, "minute": 42, "second": 25}
